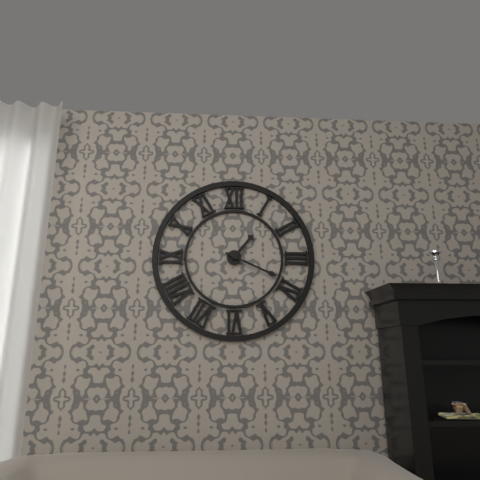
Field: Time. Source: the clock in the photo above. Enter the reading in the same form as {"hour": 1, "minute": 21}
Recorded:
{"hour": 1, "minute": 19}
